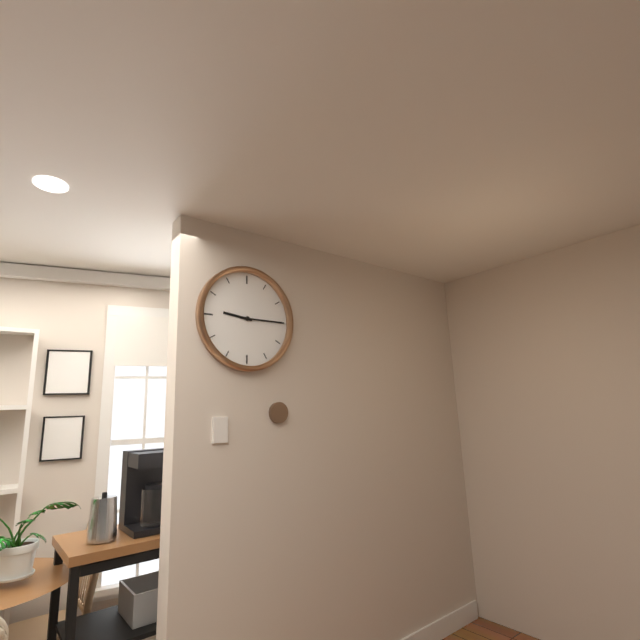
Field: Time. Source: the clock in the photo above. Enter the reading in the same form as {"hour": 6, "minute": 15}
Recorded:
{"hour": 9, "minute": 15}
